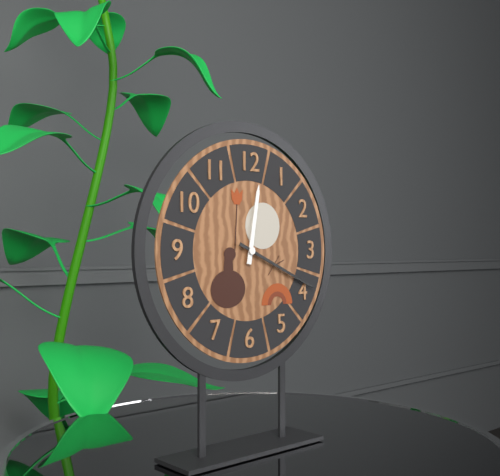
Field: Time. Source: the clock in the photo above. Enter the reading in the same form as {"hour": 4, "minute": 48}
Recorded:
{"hour": 12, "minute": 19}
